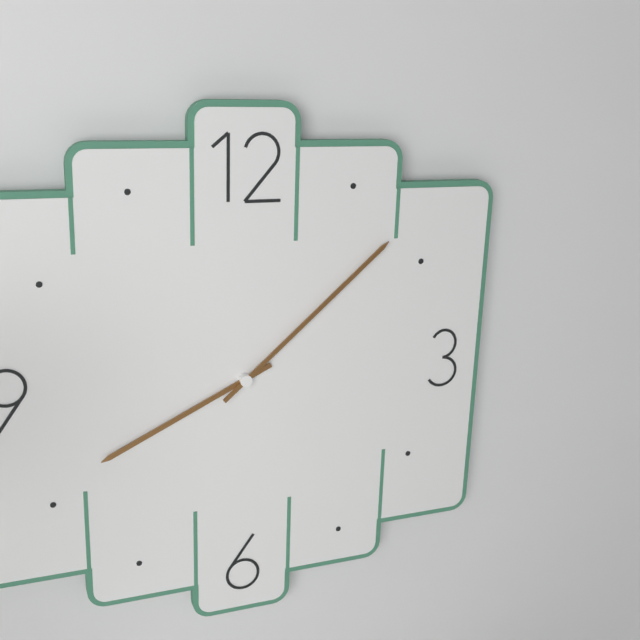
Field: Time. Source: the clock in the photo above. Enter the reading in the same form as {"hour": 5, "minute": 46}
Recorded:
{"hour": 8, "minute": 8}
